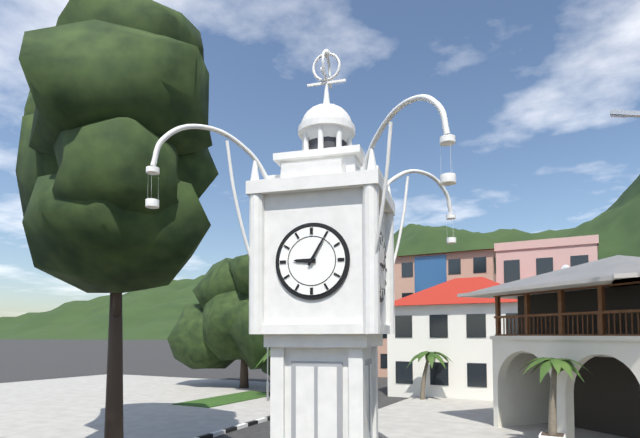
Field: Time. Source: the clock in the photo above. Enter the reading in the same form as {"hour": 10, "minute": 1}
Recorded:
{"hour": 9, "minute": 5}
